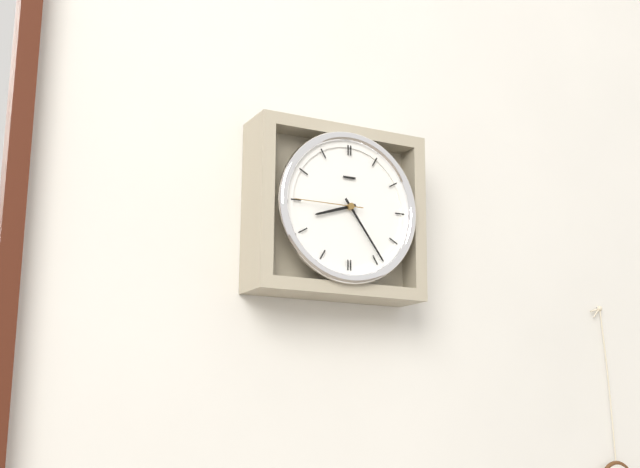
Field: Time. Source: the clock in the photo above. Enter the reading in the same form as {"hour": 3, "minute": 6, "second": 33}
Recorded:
{"hour": 8, "minute": 24, "second": 45}
